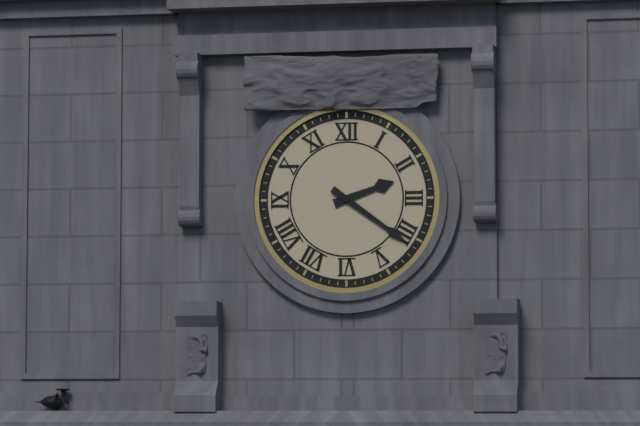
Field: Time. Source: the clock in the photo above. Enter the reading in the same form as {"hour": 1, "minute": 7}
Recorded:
{"hour": 2, "minute": 21}
